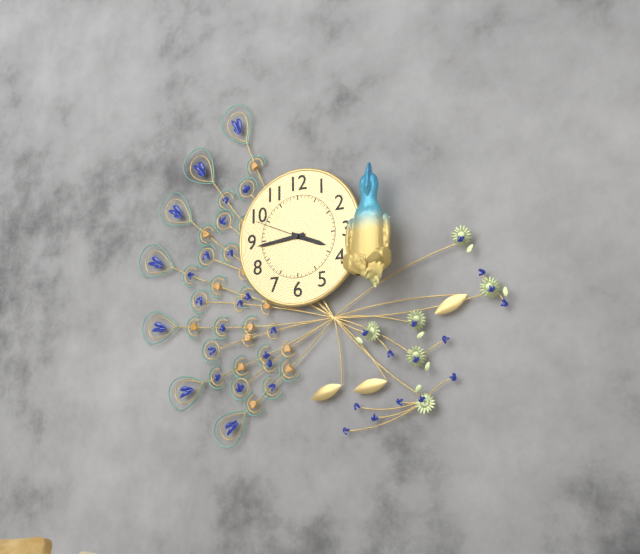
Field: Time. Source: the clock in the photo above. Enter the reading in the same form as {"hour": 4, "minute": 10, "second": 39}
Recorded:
{"hour": 3, "minute": 44, "second": 49}
